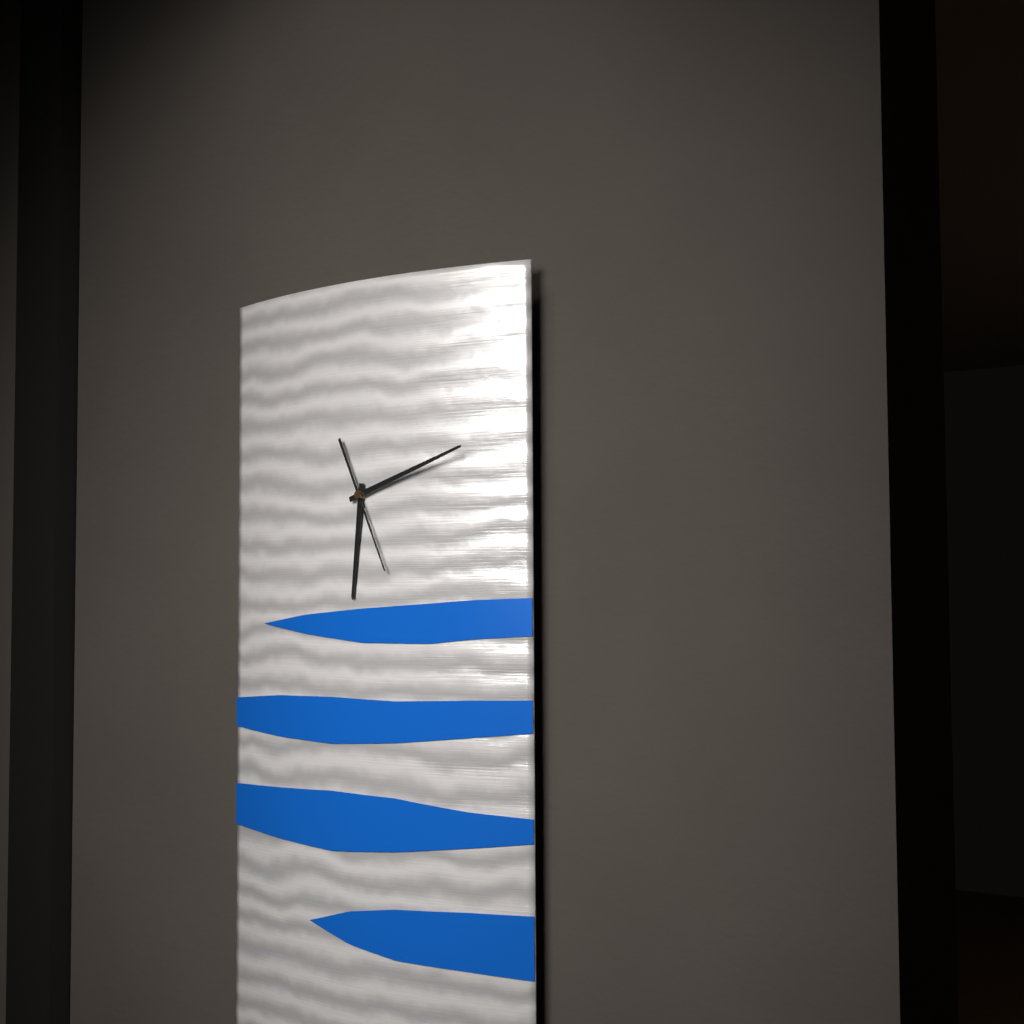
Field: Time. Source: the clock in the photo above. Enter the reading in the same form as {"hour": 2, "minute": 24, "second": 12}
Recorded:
{"hour": 6, "minute": 12, "second": 26}
